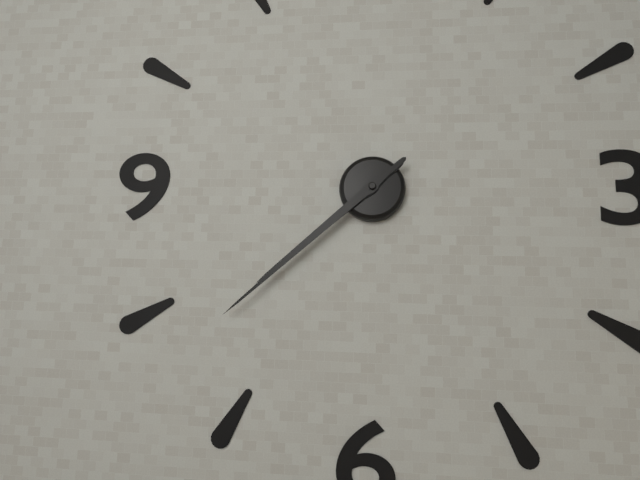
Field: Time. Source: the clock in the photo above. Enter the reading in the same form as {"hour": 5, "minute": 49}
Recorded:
{"hour": 7, "minute": 38}
